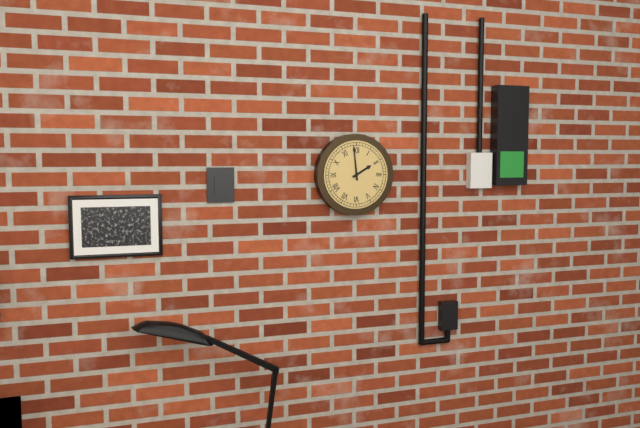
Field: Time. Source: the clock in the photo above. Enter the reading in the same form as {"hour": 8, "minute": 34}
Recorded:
{"hour": 1, "minute": 59}
